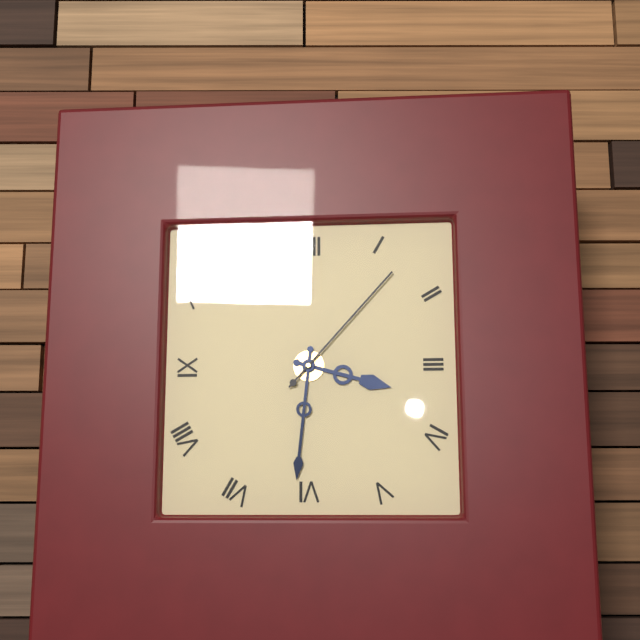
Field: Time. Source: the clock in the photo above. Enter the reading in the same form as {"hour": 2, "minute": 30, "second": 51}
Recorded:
{"hour": 3, "minute": 31, "second": 7}
